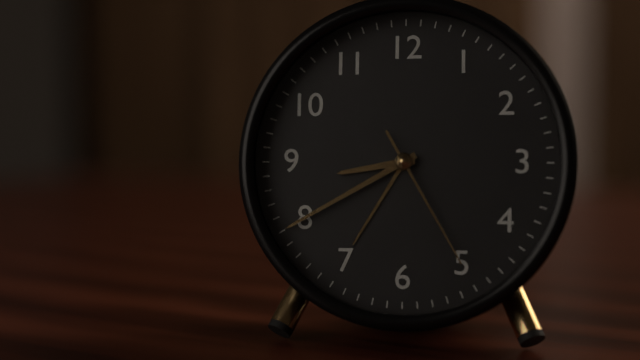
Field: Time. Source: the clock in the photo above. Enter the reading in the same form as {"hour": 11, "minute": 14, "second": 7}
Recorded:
{"hour": 8, "minute": 40, "second": 25}
